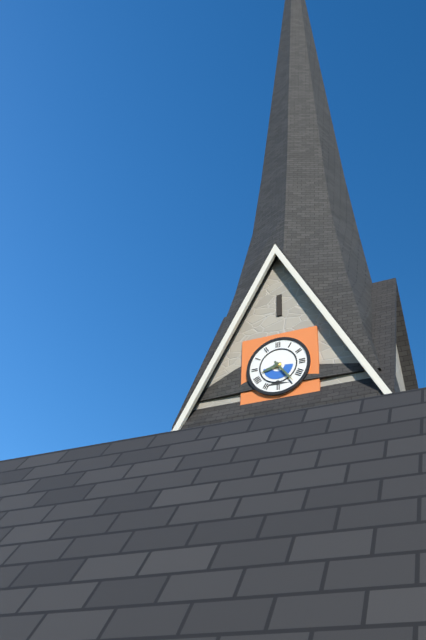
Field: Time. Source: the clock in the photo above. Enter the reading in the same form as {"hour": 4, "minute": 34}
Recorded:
{"hour": 8, "minute": 24}
